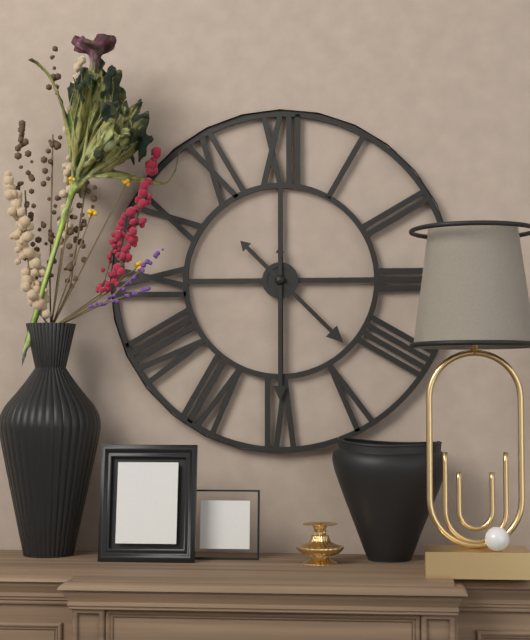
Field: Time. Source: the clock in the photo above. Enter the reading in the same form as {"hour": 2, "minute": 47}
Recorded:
{"hour": 4, "minute": 30}
